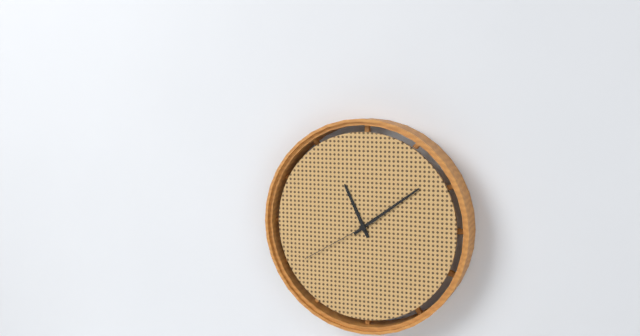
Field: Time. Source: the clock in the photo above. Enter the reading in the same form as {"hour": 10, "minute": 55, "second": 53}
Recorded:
{"hour": 11, "minute": 9, "second": 40}
